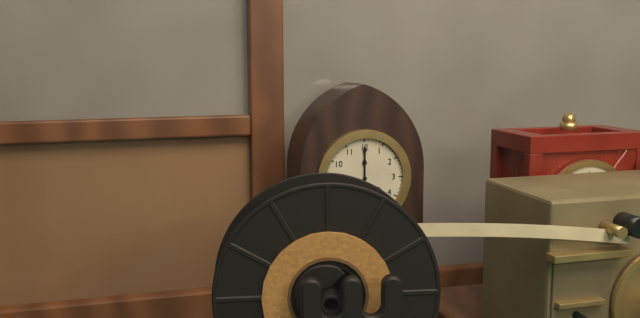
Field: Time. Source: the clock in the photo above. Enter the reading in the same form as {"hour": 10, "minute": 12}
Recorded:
{"hour": 12, "minute": 0}
